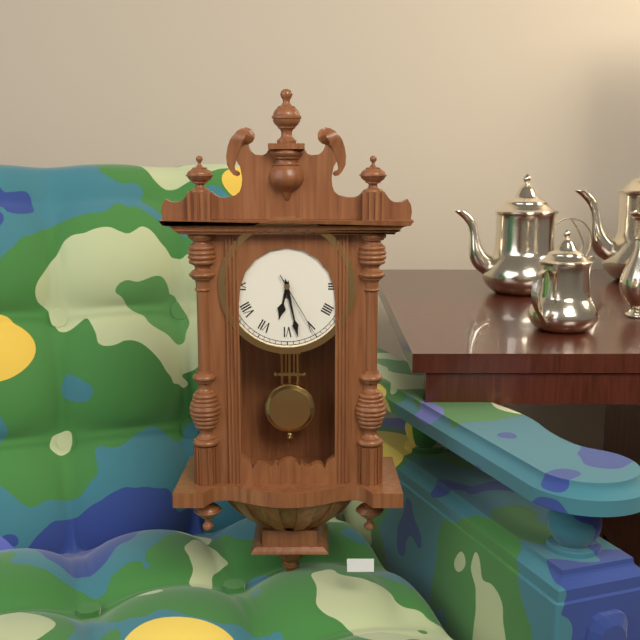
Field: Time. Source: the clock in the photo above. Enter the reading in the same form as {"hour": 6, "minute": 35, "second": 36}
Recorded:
{"hour": 6, "minute": 28, "second": 25}
